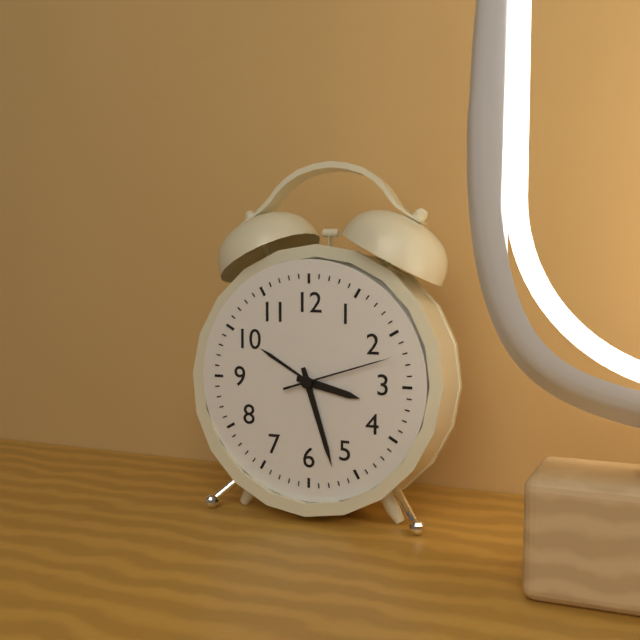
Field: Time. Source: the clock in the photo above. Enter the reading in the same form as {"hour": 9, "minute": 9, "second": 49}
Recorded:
{"hour": 3, "minute": 27, "second": 12}
